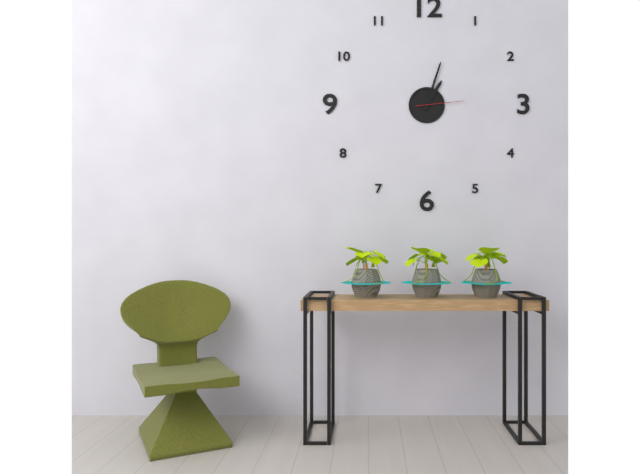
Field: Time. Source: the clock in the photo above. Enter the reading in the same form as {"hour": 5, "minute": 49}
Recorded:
{"hour": 1, "minute": 3}
